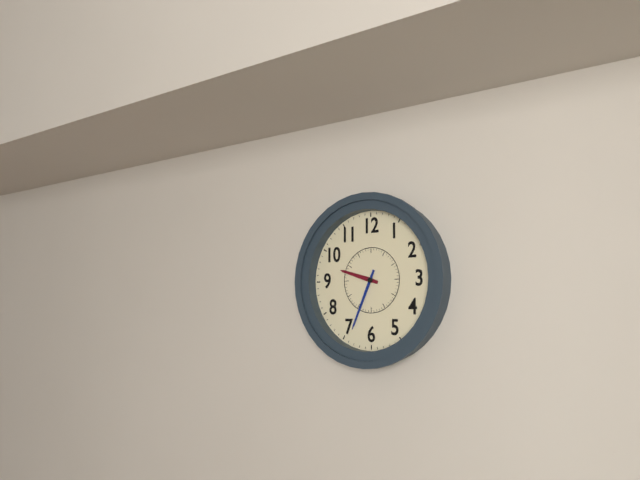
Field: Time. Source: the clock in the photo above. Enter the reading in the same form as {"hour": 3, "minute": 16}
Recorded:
{"hour": 9, "minute": 34}
